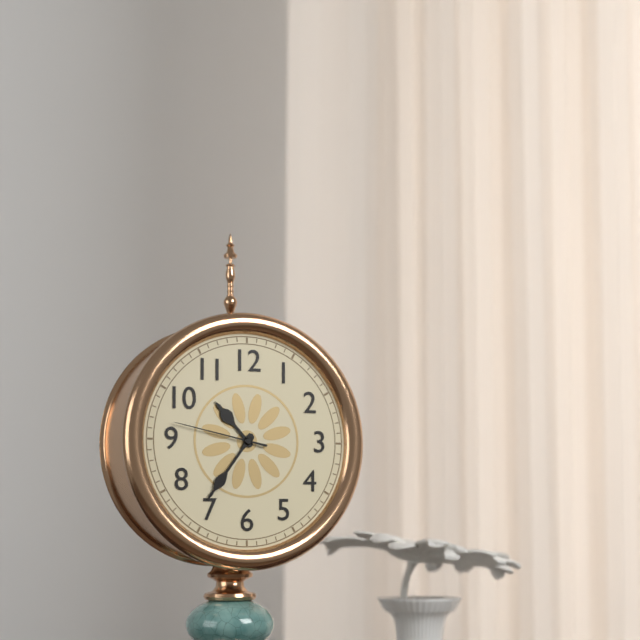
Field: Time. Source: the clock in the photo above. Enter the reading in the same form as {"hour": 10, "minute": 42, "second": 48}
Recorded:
{"hour": 10, "minute": 36, "second": 47}
